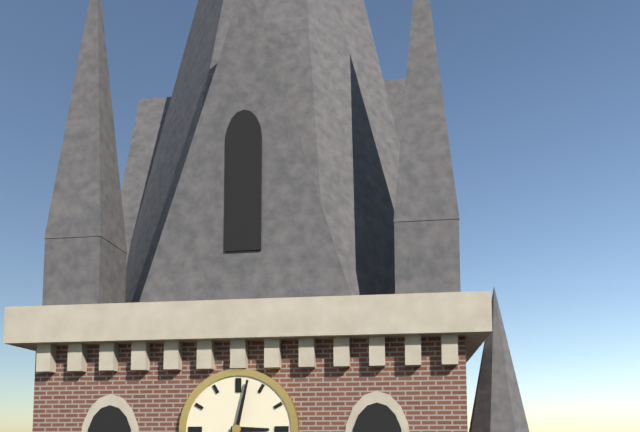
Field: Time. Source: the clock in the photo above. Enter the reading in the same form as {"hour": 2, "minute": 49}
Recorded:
{"hour": 3, "minute": 2}
